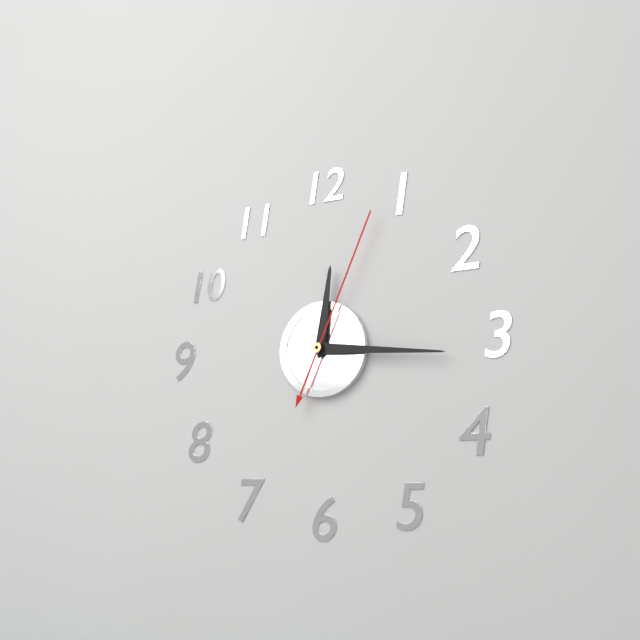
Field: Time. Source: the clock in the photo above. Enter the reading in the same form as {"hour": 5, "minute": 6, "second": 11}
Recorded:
{"hour": 12, "minute": 16, "second": 4}
